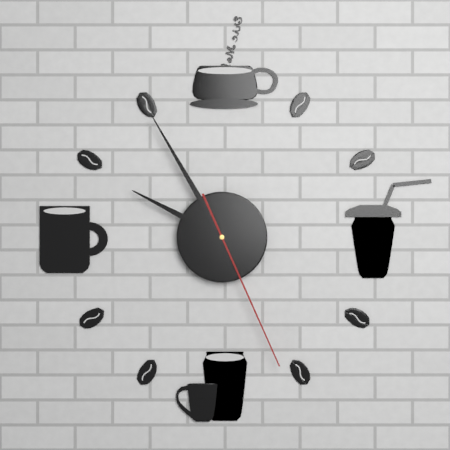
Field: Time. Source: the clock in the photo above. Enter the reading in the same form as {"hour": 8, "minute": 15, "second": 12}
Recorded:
{"hour": 9, "minute": 55, "second": 26}
